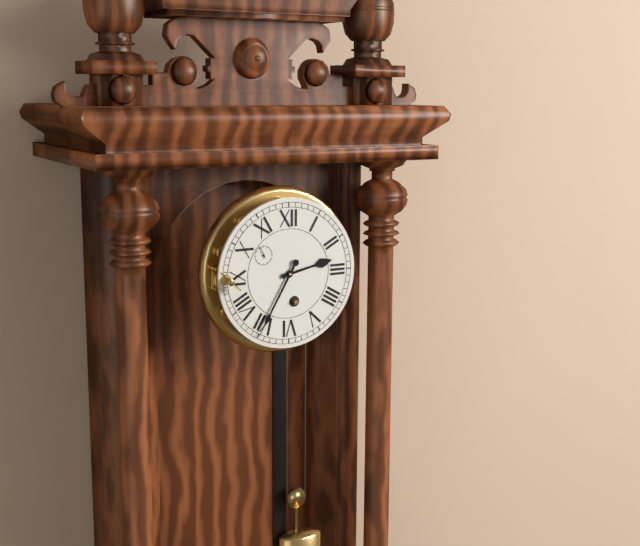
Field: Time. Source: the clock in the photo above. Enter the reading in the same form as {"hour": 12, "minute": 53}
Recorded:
{"hour": 2, "minute": 35}
